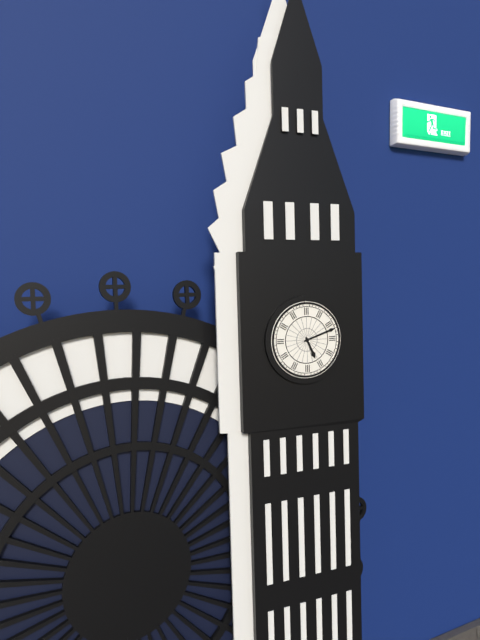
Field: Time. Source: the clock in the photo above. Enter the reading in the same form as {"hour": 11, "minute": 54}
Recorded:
{"hour": 5, "minute": 12}
